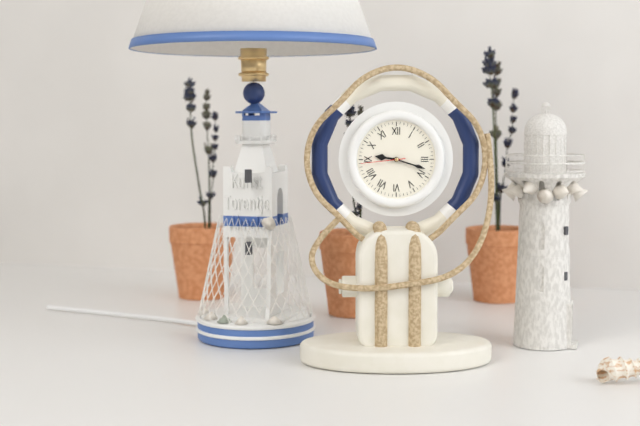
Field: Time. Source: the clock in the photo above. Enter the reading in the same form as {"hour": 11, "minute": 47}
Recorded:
{"hour": 9, "minute": 18}
